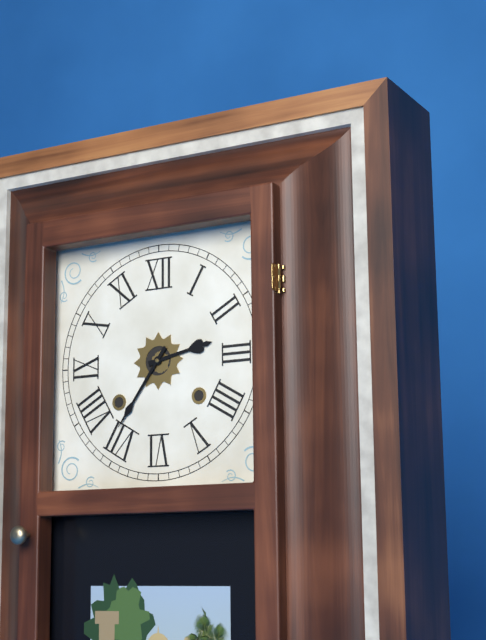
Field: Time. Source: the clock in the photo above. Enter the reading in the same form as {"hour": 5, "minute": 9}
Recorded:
{"hour": 2, "minute": 36}
